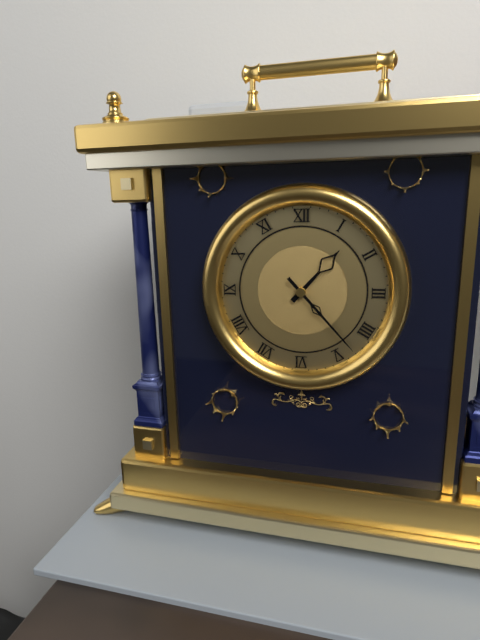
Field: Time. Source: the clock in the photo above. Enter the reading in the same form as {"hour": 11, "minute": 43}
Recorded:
{"hour": 1, "minute": 23}
